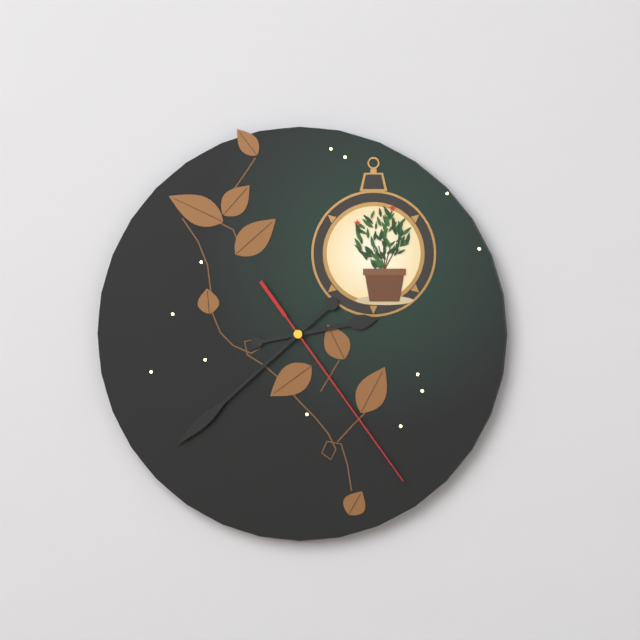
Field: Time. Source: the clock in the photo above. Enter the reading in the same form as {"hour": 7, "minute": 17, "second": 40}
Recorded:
{"hour": 2, "minute": 38, "second": 24}
